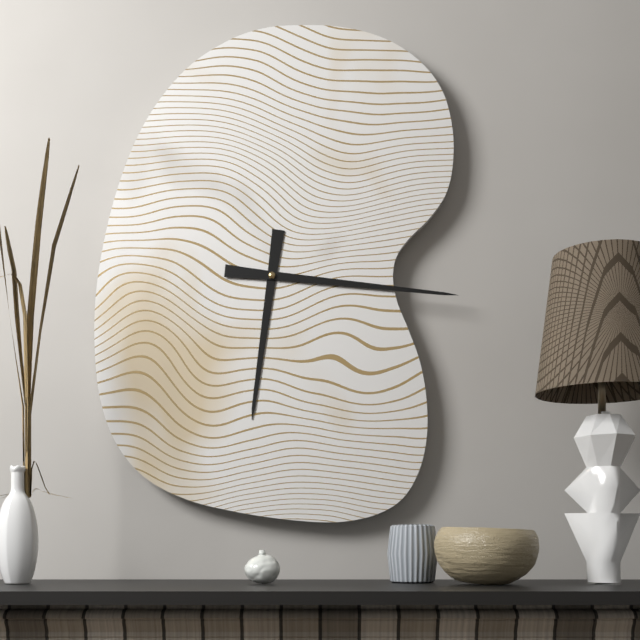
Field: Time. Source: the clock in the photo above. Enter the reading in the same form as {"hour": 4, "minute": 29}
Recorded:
{"hour": 6, "minute": 16}
